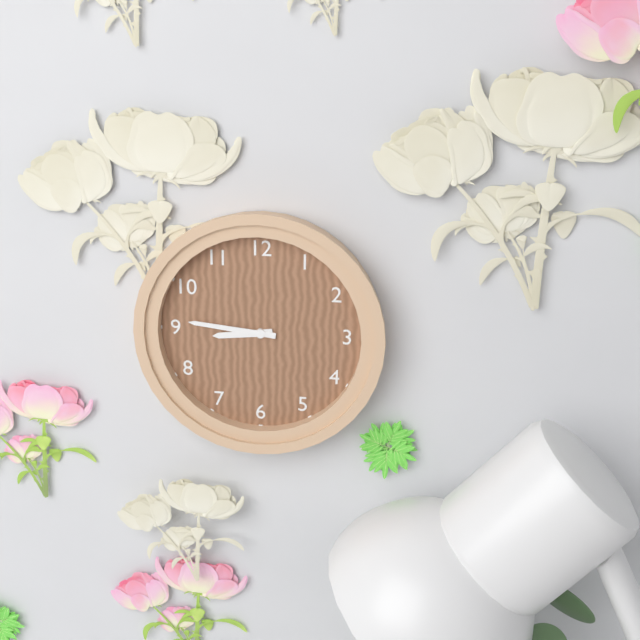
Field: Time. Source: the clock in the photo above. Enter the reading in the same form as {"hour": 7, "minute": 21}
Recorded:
{"hour": 8, "minute": 46}
